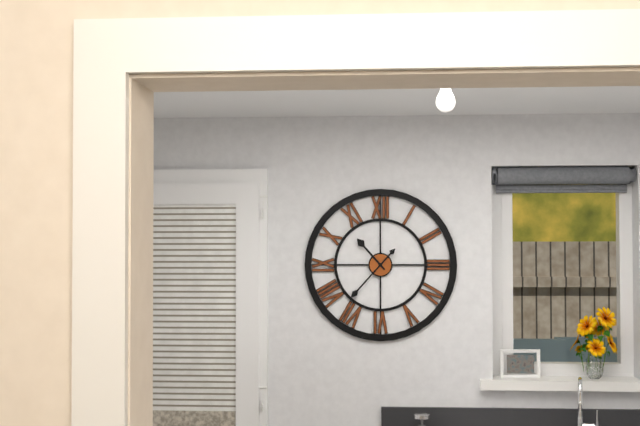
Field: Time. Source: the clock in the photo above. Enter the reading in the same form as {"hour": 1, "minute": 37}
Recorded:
{"hour": 10, "minute": 37}
